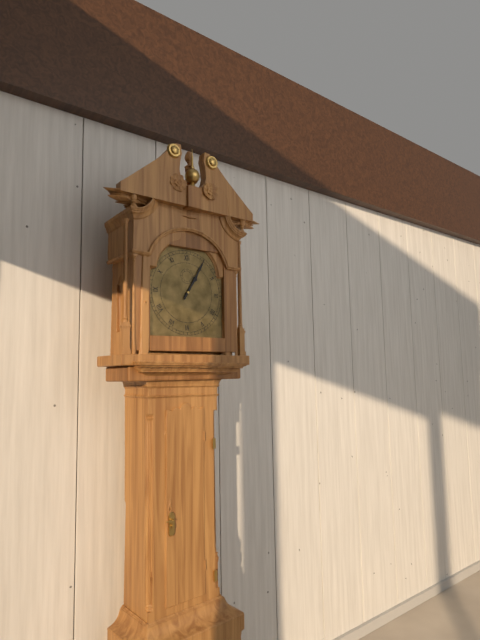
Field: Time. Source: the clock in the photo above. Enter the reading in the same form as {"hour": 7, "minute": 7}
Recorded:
{"hour": 1, "minute": 5}
